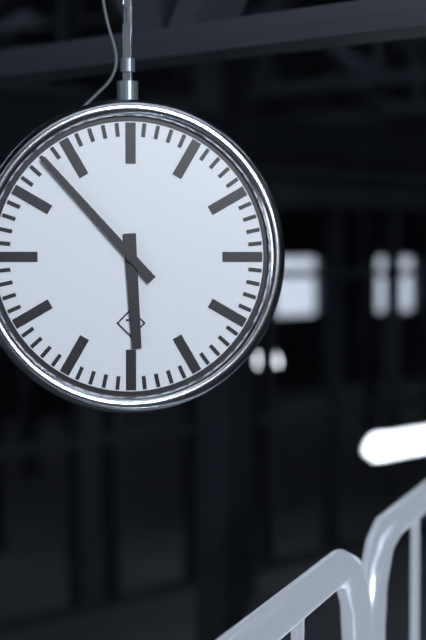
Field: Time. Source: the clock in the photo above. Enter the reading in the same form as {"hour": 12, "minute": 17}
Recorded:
{"hour": 5, "minute": 53}
